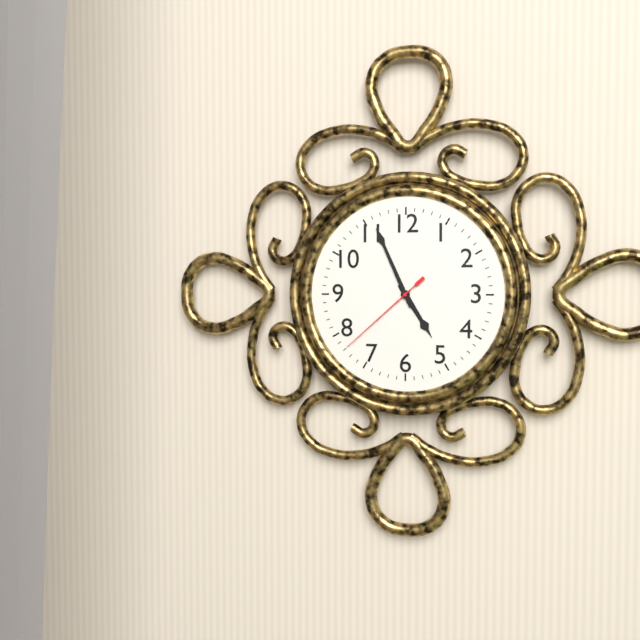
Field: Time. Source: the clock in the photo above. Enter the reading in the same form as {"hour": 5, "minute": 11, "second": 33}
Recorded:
{"hour": 4, "minute": 56, "second": 38}
